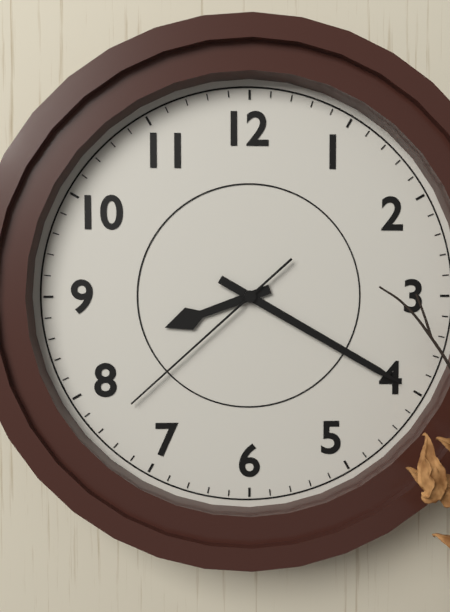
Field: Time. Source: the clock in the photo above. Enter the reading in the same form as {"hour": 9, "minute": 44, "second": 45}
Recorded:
{"hour": 8, "minute": 20, "second": 38}
